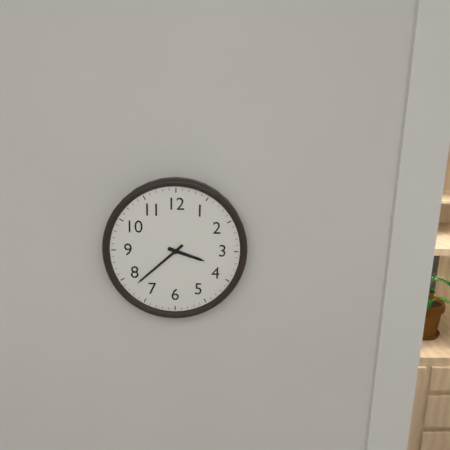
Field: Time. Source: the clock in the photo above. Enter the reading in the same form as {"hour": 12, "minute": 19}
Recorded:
{"hour": 3, "minute": 38}
